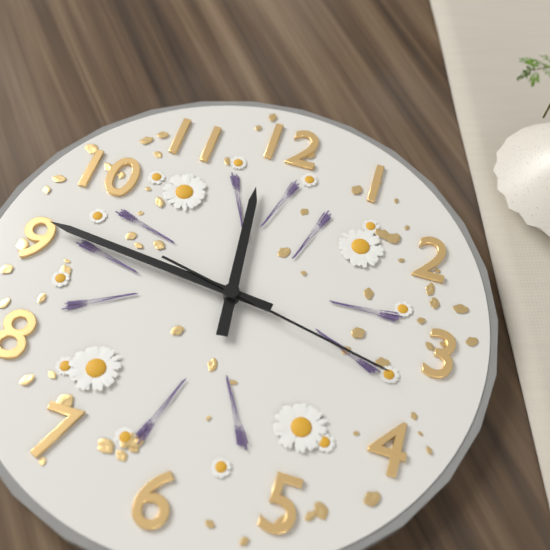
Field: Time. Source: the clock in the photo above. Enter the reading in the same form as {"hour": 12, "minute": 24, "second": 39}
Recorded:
{"hour": 11, "minute": 46, "second": 17}
